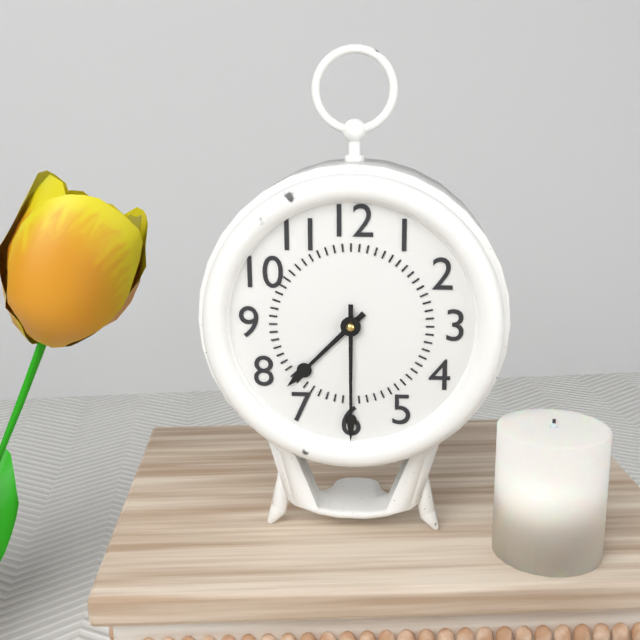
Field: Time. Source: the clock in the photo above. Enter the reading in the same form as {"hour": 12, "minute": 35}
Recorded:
{"hour": 7, "minute": 30}
